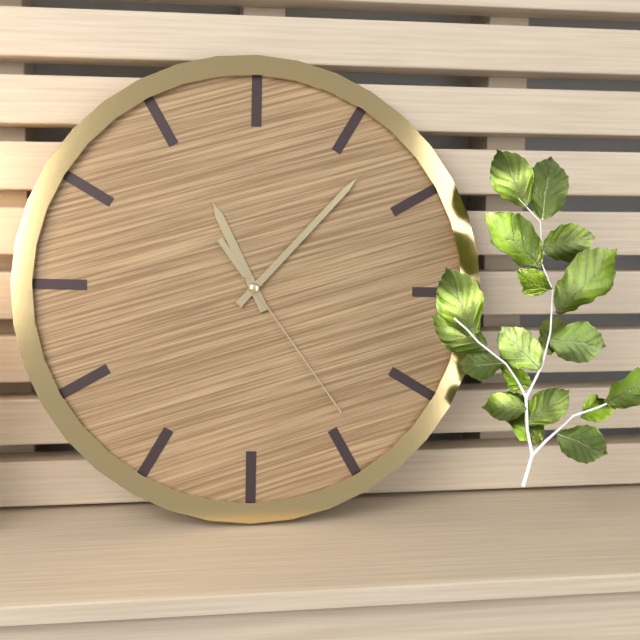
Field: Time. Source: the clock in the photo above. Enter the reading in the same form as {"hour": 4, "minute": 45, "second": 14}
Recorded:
{"hour": 11, "minute": 7, "second": 24}
